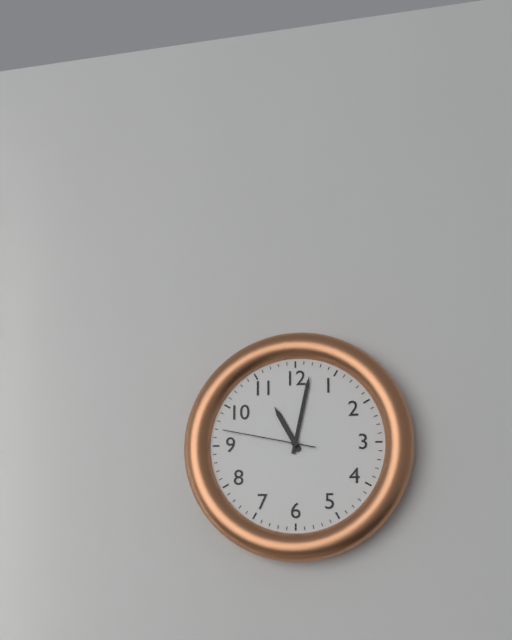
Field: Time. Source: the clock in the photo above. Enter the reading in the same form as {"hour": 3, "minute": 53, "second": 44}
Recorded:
{"hour": 11, "minute": 2, "second": 47}
